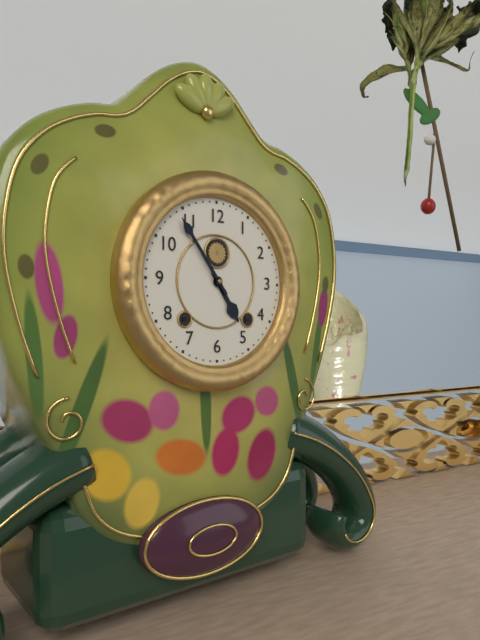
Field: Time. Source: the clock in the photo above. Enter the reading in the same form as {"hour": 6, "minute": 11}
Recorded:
{"hour": 4, "minute": 54}
